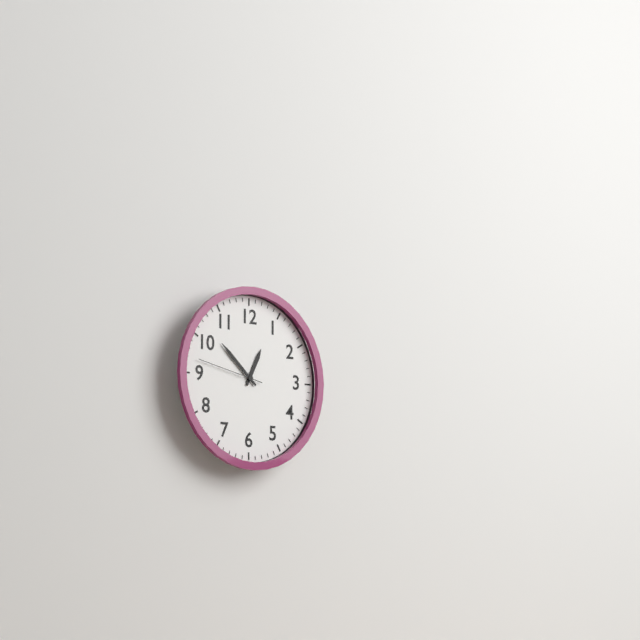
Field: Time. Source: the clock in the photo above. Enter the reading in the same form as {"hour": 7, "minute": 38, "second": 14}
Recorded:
{"hour": 12, "minute": 52, "second": 47}
